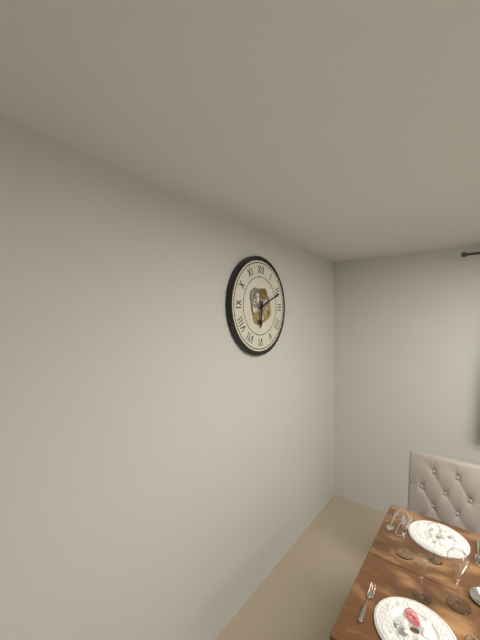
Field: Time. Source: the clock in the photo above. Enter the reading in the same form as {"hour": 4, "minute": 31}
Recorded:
{"hour": 6, "minute": 11}
